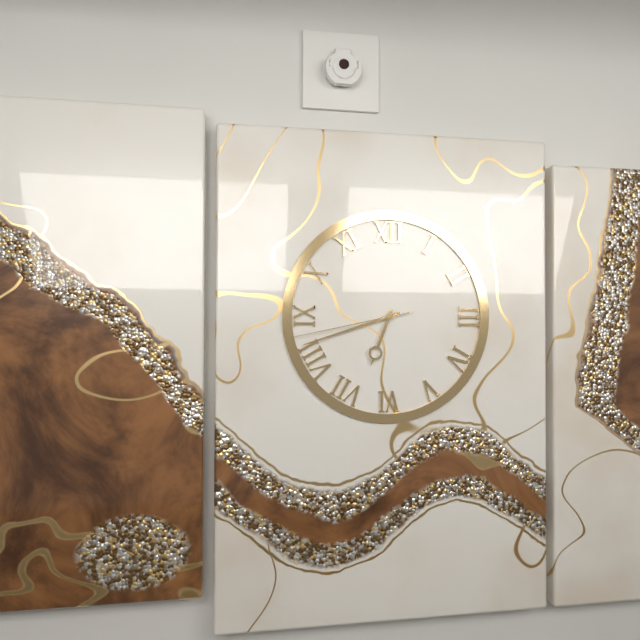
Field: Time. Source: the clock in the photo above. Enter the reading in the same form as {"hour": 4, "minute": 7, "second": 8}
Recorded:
{"hour": 6, "minute": 42, "second": 43}
